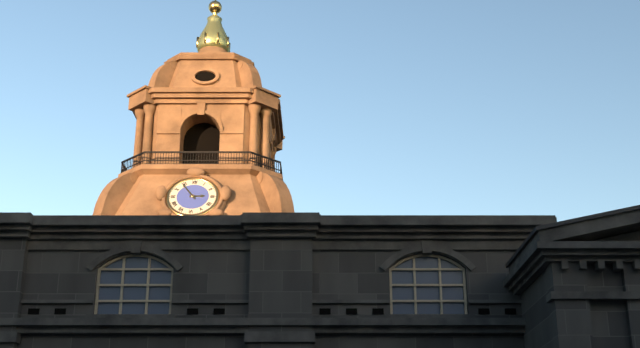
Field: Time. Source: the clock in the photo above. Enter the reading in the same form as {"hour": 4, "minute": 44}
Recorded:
{"hour": 2, "minute": 54}
